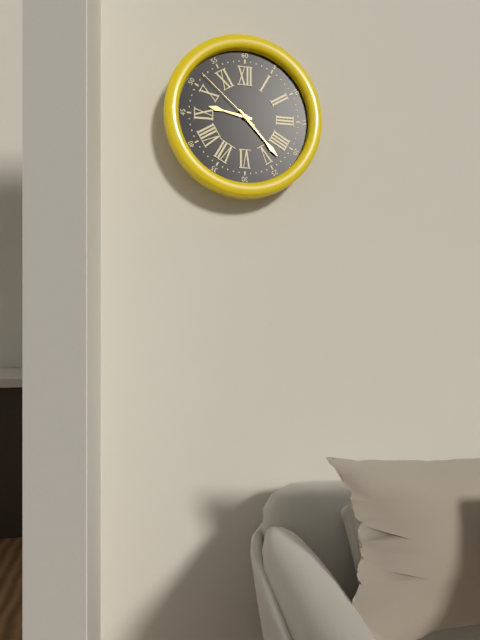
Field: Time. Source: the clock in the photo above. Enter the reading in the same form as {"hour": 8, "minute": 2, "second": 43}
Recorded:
{"hour": 9, "minute": 23, "second": 52}
